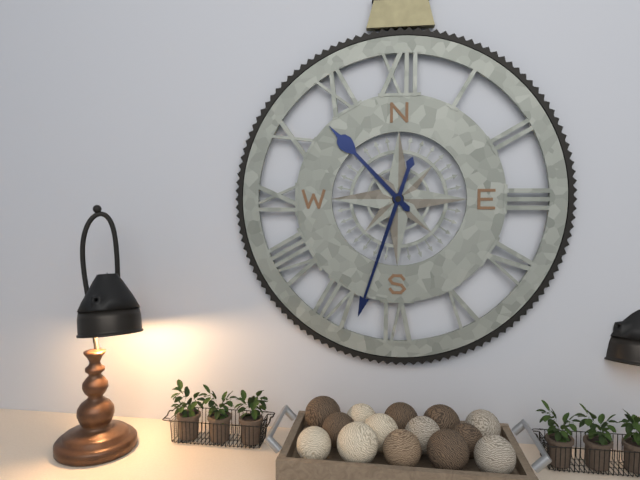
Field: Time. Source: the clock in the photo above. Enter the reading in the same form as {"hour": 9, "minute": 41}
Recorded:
{"hour": 10, "minute": 33}
